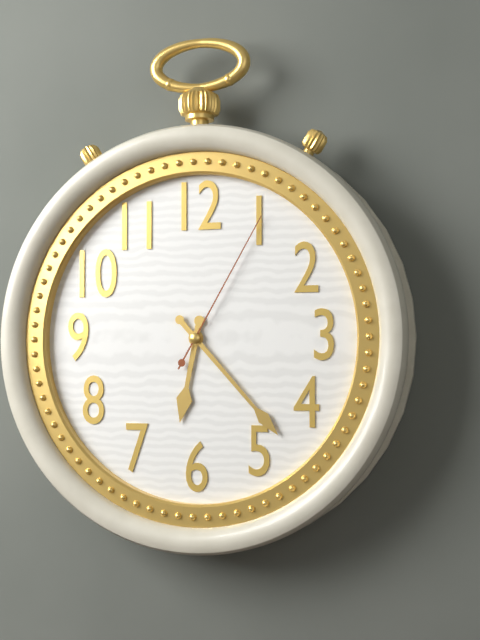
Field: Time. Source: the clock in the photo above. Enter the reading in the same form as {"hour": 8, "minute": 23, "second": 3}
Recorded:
{"hour": 6, "minute": 23, "second": 5}
